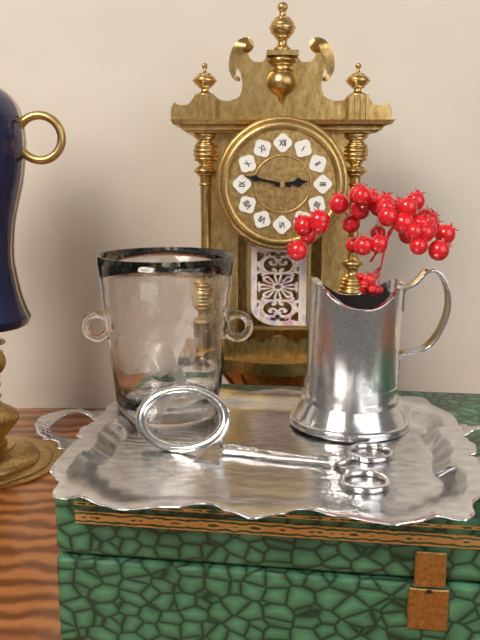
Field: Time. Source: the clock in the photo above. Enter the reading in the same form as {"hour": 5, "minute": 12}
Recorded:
{"hour": 2, "minute": 47}
